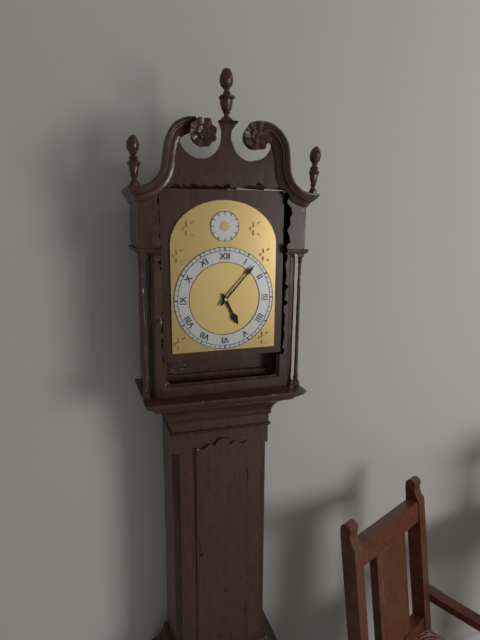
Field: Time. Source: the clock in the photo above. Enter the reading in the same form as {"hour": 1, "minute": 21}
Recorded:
{"hour": 5, "minute": 7}
